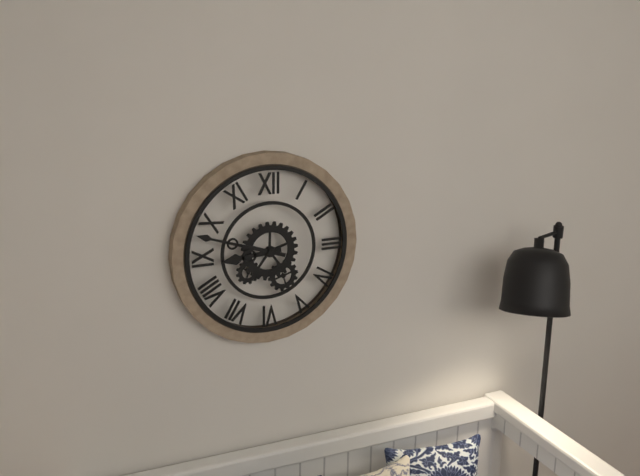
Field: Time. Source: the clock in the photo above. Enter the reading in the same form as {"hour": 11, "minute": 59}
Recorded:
{"hour": 8, "minute": 48}
